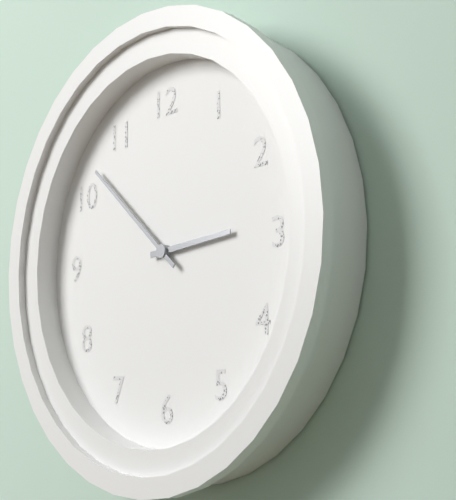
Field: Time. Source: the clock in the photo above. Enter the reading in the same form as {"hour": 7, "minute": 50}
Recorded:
{"hour": 2, "minute": 52}
